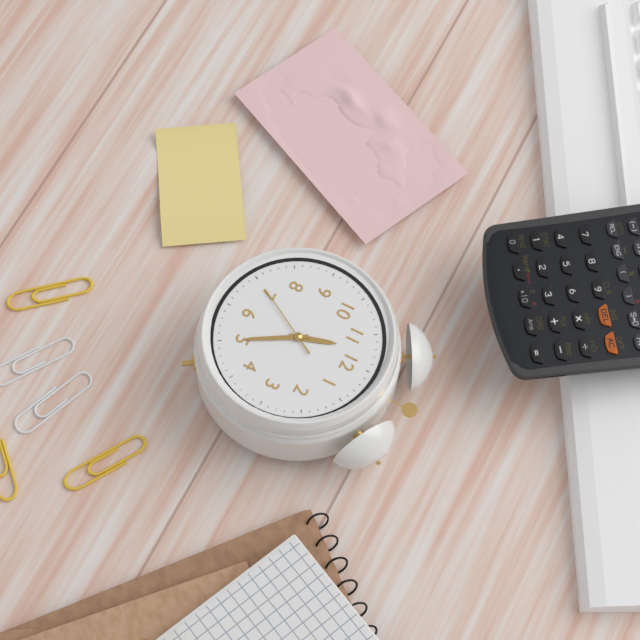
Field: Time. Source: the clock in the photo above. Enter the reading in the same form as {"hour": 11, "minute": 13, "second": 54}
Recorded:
{"hour": 11, "minute": 25, "second": 35}
